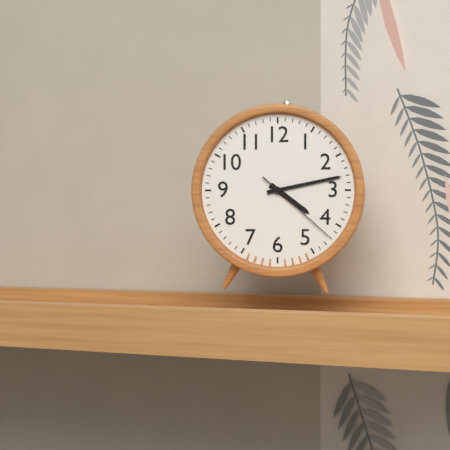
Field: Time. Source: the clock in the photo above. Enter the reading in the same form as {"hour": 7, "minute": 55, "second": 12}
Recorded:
{"hour": 4, "minute": 13, "second": 22}
